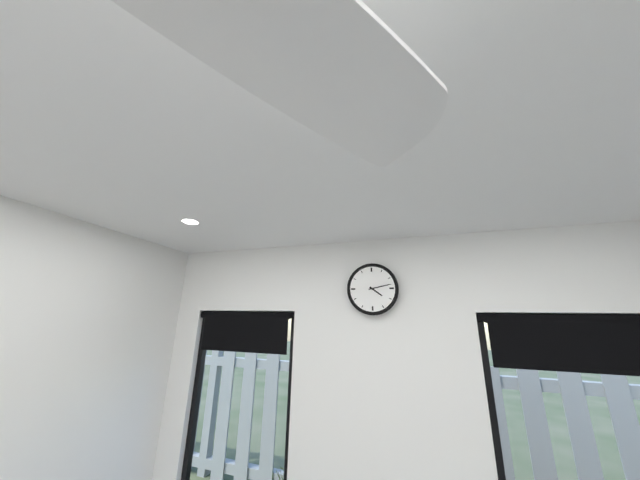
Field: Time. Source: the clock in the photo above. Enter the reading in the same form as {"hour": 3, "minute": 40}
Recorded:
{"hour": 4, "minute": 13}
